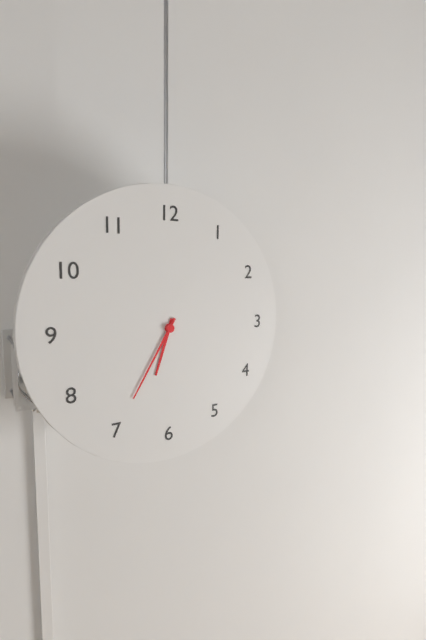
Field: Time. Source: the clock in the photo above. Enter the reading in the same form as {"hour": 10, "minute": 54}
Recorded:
{"hour": 6, "minute": 35}
